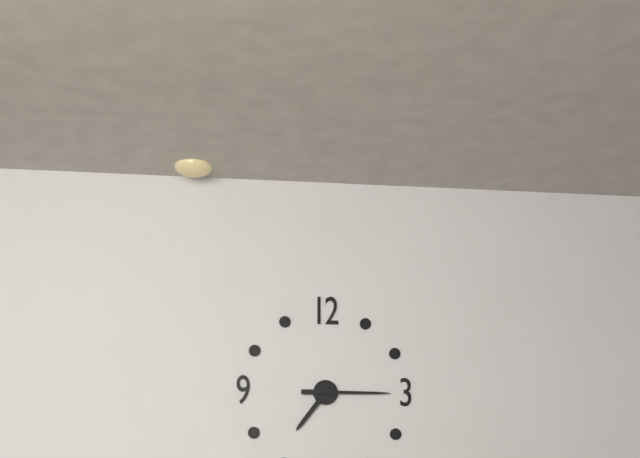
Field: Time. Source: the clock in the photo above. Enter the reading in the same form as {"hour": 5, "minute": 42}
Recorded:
{"hour": 7, "minute": 15}
